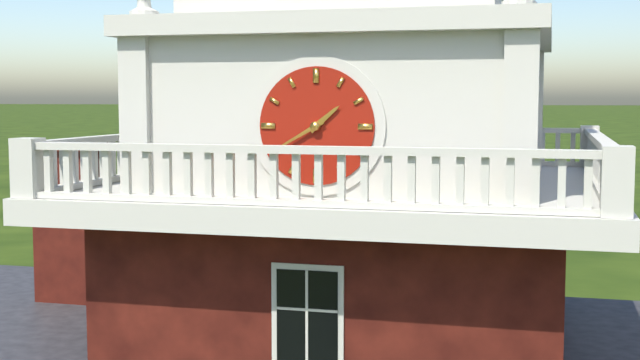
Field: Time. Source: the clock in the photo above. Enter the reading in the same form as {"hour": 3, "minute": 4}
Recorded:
{"hour": 1, "minute": 40}
